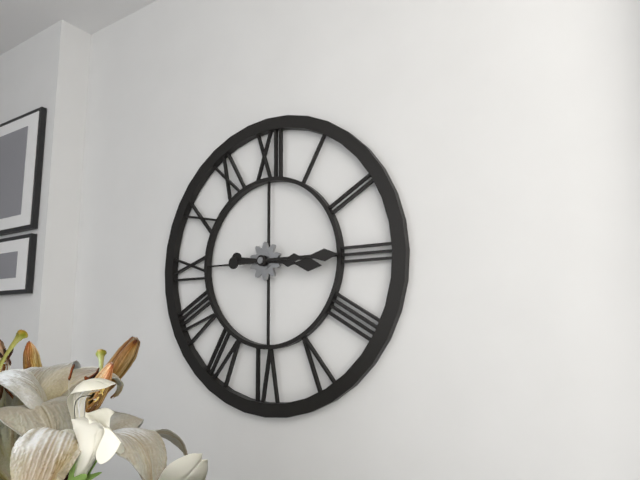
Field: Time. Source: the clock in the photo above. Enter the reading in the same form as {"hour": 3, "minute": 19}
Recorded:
{"hour": 3, "minute": 15}
